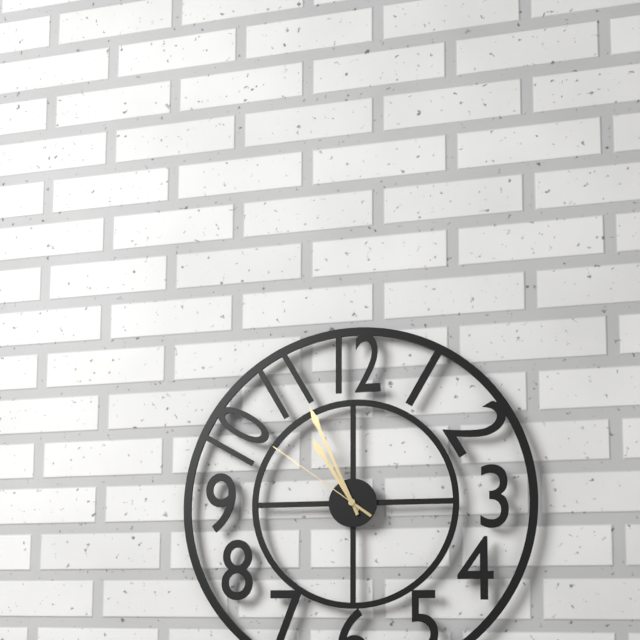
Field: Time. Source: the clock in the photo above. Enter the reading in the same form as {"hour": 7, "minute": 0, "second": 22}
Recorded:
{"hour": 10, "minute": 56, "second": 51}
